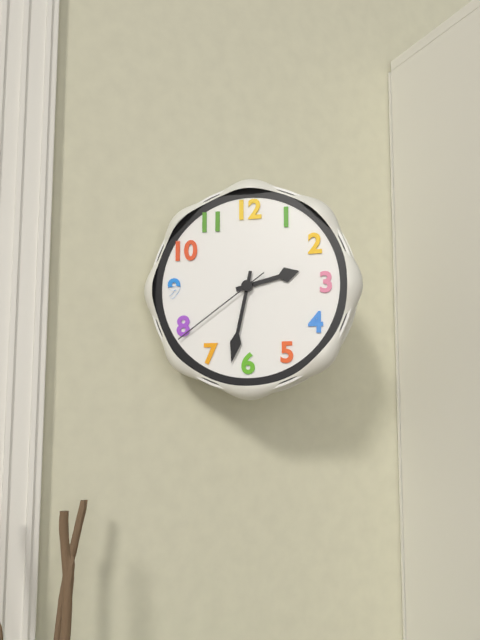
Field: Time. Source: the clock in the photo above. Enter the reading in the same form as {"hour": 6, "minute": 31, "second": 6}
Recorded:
{"hour": 2, "minute": 32, "second": 39}
